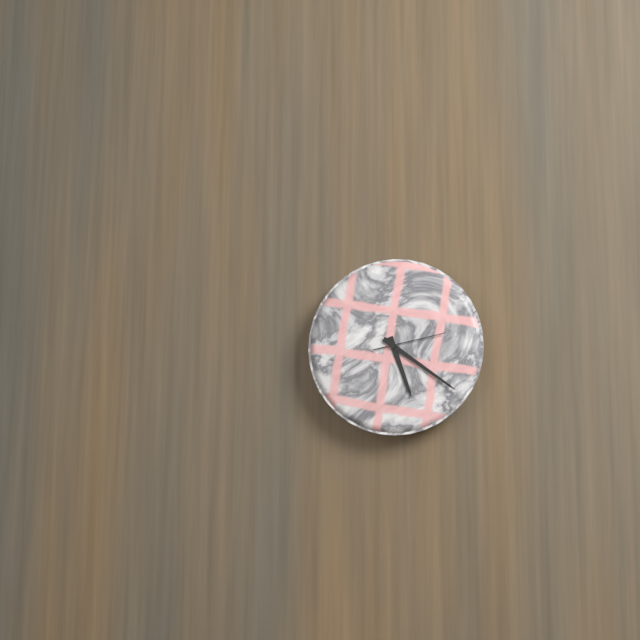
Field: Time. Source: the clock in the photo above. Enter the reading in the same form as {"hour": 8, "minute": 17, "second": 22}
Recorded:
{"hour": 5, "minute": 21, "second": 13}
